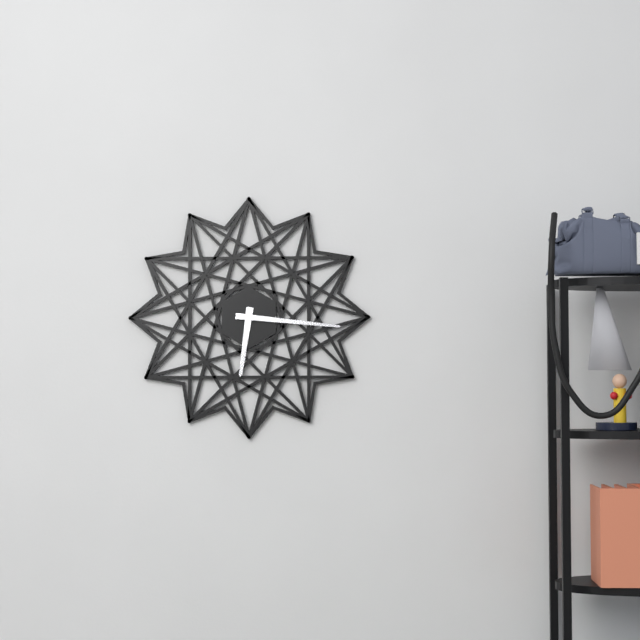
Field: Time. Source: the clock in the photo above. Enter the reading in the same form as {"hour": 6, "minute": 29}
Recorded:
{"hour": 6, "minute": 16}
